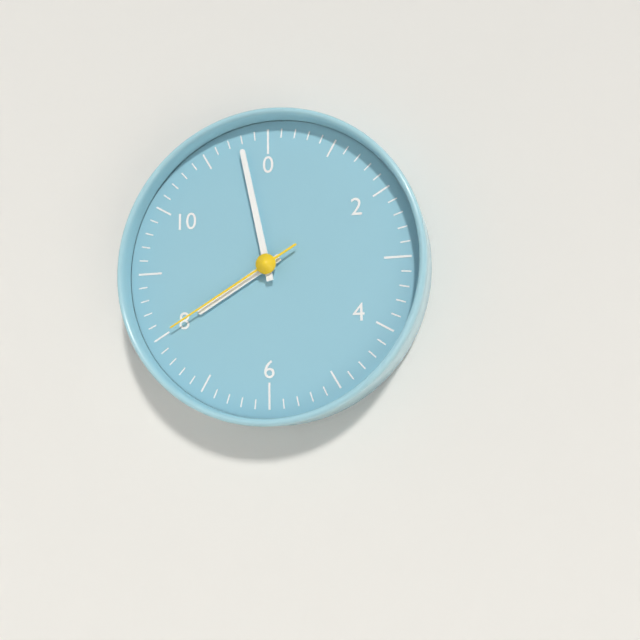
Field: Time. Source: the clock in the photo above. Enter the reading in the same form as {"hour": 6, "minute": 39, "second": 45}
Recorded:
{"hour": 7, "minute": 58, "second": 40}
